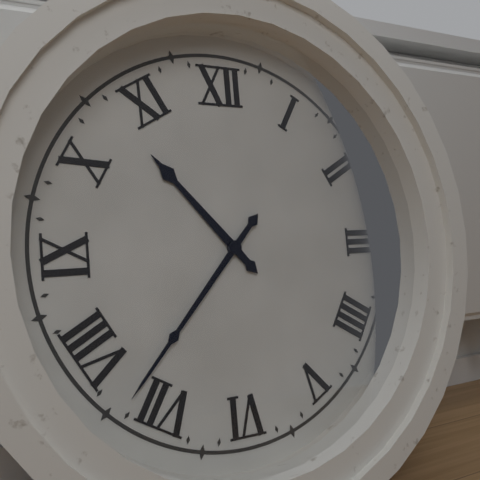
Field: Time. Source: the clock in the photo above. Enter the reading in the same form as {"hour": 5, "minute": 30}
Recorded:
{"hour": 10, "minute": 37}
